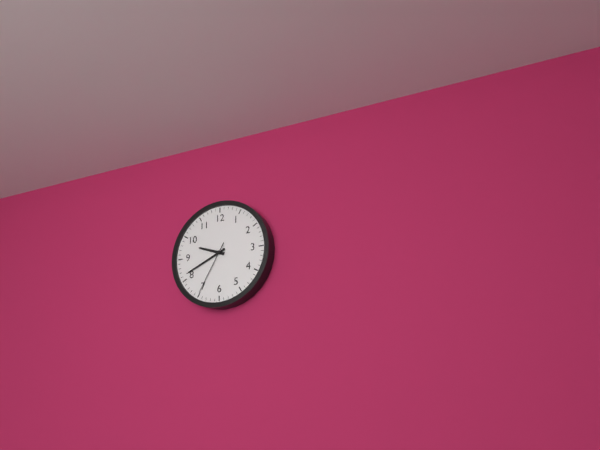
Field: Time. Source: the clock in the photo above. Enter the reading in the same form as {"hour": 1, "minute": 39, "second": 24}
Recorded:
{"hour": 9, "minute": 41, "second": 35}
